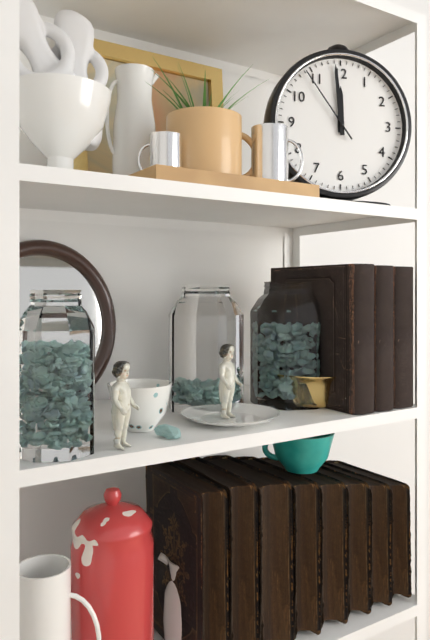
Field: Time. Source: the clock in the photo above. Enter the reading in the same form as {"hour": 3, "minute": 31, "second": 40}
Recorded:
{"hour": 11, "minute": 59, "second": 54}
